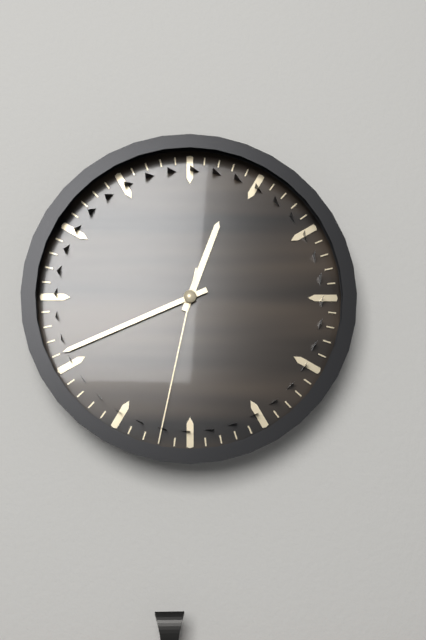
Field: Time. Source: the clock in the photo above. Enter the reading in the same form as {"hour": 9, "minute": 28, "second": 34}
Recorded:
{"hour": 12, "minute": 41, "second": 32}
